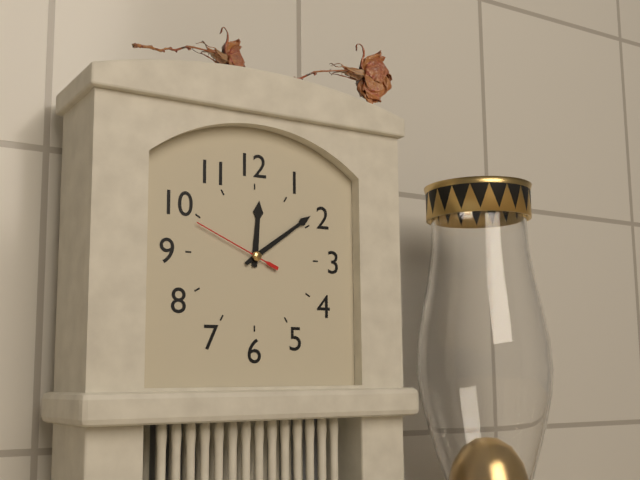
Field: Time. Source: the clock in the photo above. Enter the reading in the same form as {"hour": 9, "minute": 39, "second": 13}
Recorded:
{"hour": 12, "minute": 9, "second": 49}
